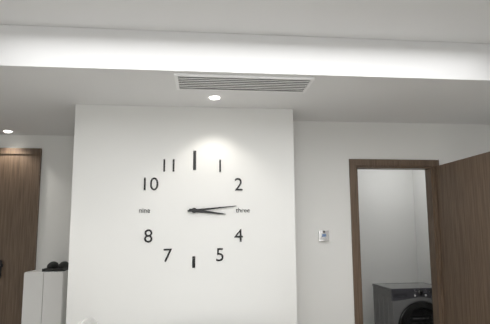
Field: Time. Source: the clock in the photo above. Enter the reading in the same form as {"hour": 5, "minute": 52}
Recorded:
{"hour": 3, "minute": 14}
